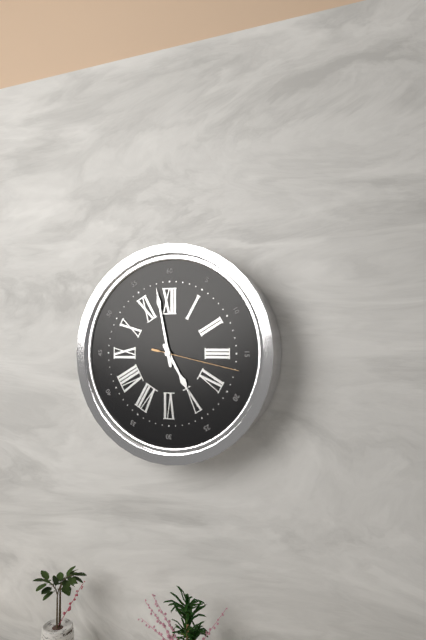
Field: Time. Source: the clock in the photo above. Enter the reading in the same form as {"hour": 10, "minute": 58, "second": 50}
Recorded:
{"hour": 4, "minute": 58, "second": 17}
